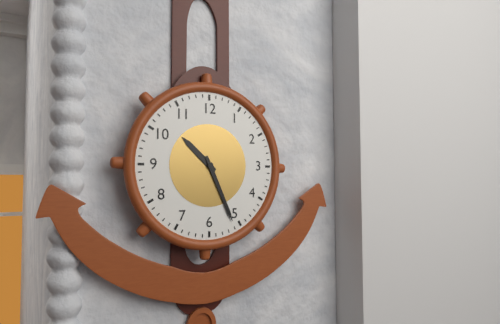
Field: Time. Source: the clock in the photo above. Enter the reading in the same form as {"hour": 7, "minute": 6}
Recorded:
{"hour": 10, "minute": 26}
